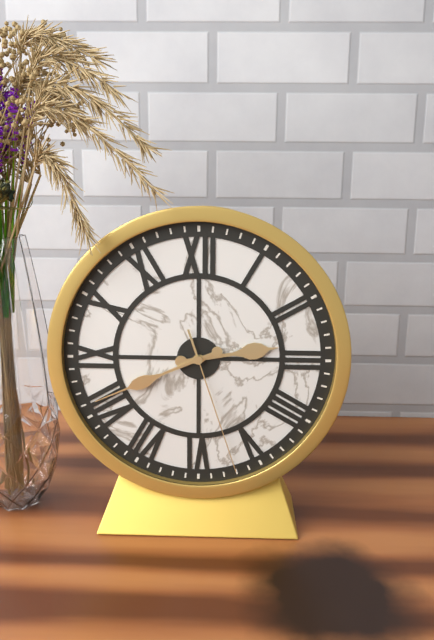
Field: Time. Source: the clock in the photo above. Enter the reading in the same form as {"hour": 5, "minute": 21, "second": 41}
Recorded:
{"hour": 2, "minute": 41, "second": 27}
